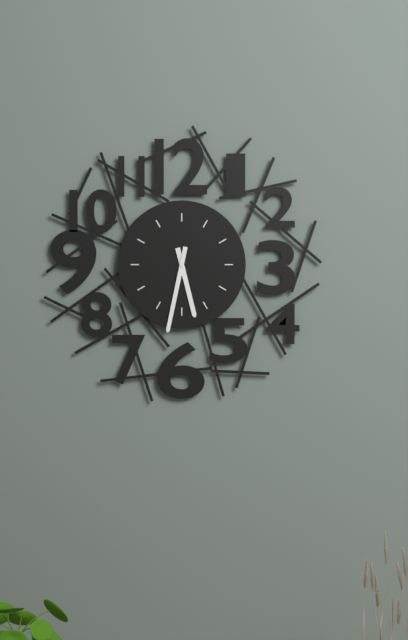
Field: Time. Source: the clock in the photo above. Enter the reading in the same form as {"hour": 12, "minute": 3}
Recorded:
{"hour": 5, "minute": 32}
